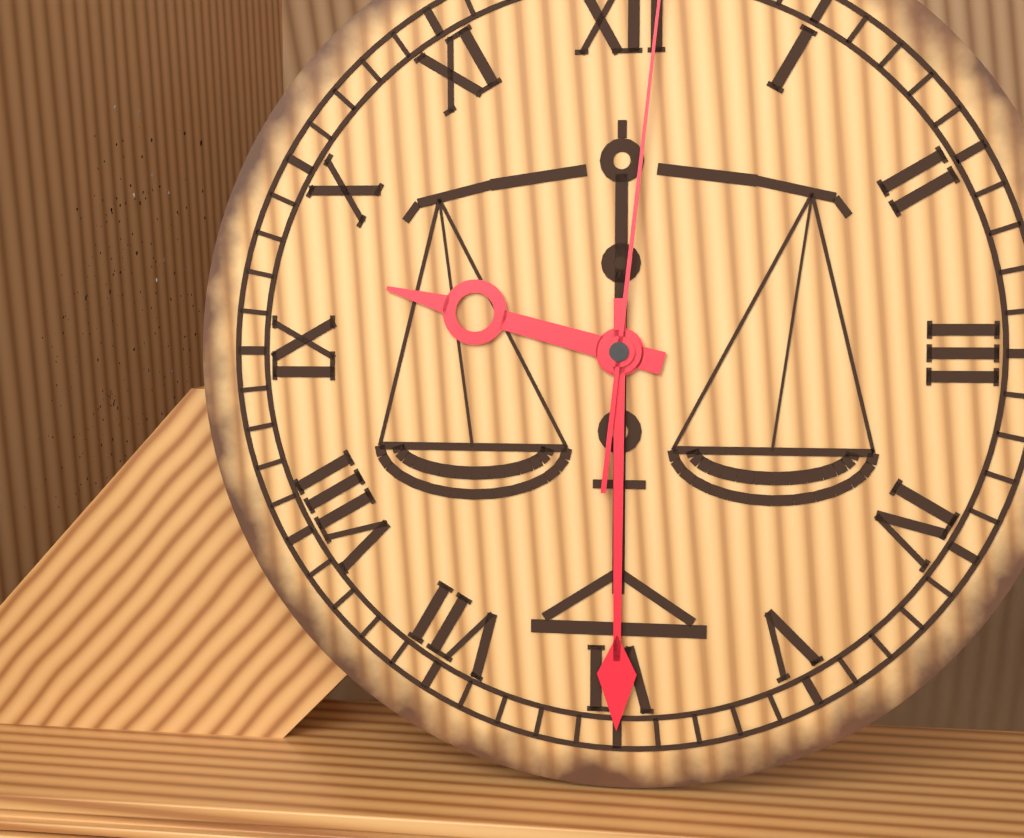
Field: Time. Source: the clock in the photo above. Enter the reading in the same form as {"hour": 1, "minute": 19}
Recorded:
{"hour": 9, "minute": 30}
